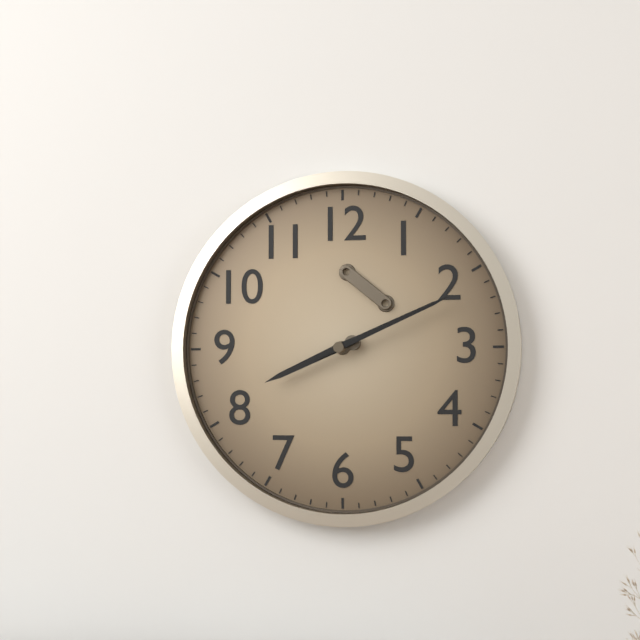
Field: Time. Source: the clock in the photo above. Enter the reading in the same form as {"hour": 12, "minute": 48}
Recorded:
{"hour": 8, "minute": 11}
